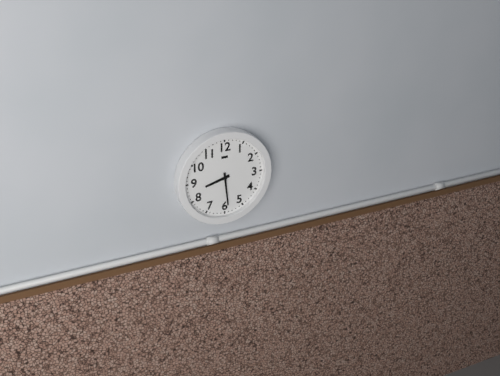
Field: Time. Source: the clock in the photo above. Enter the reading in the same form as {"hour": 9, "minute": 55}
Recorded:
{"hour": 8, "minute": 29}
